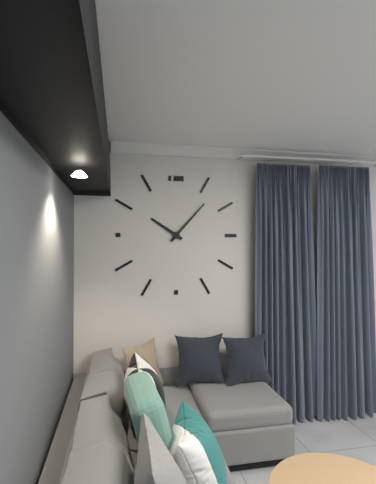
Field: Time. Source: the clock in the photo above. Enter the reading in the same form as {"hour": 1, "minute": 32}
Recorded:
{"hour": 10, "minute": 7}
